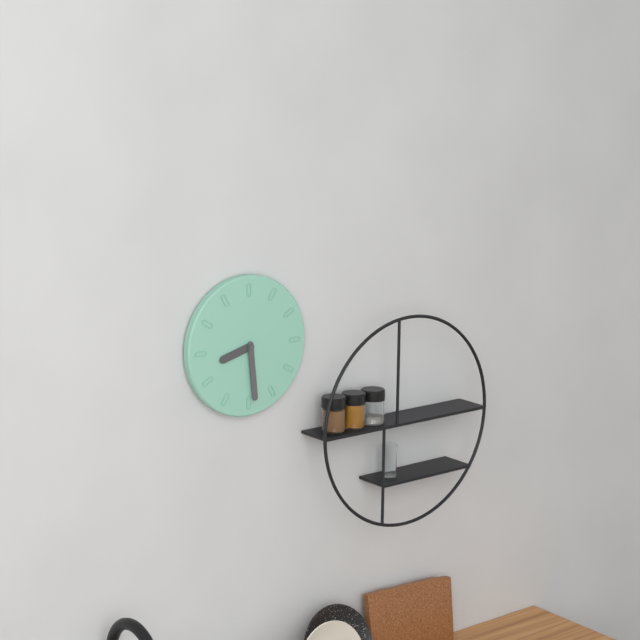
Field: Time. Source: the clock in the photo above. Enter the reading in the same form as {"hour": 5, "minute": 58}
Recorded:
{"hour": 8, "minute": 29}
